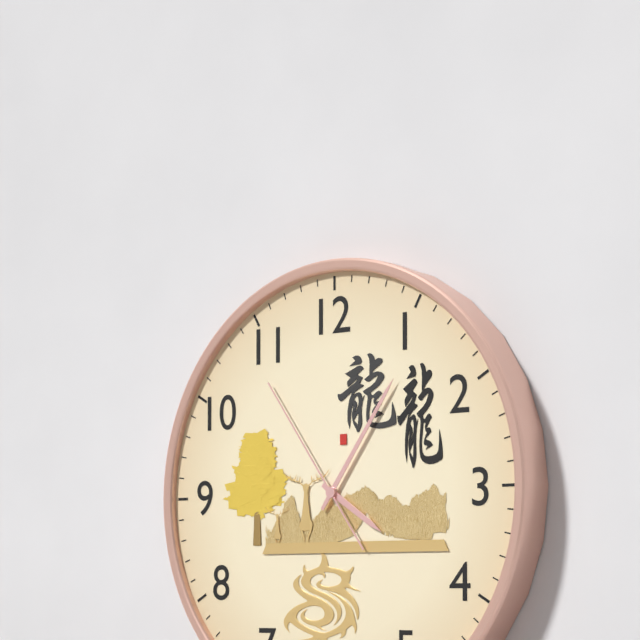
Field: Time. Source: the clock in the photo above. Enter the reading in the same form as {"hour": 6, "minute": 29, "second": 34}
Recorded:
{"hour": 4, "minute": 6, "second": 54}
